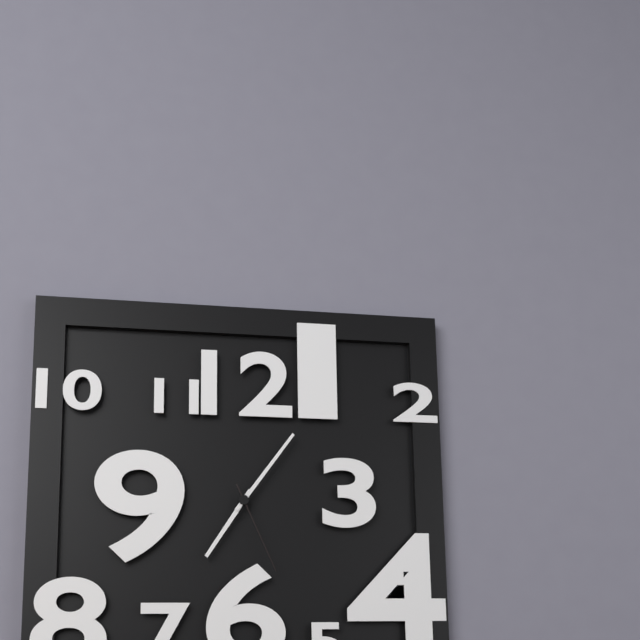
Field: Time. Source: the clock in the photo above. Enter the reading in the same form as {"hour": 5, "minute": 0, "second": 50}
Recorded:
{"hour": 7, "minute": 6, "second": 26}
